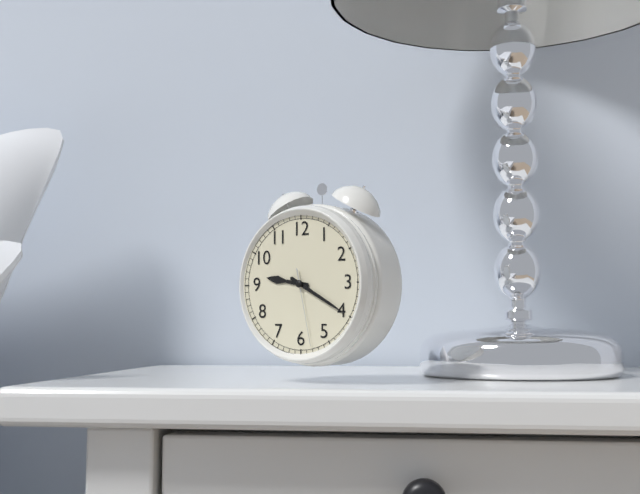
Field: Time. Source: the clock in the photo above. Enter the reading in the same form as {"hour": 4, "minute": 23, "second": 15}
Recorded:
{"hour": 9, "minute": 20, "second": 28}
